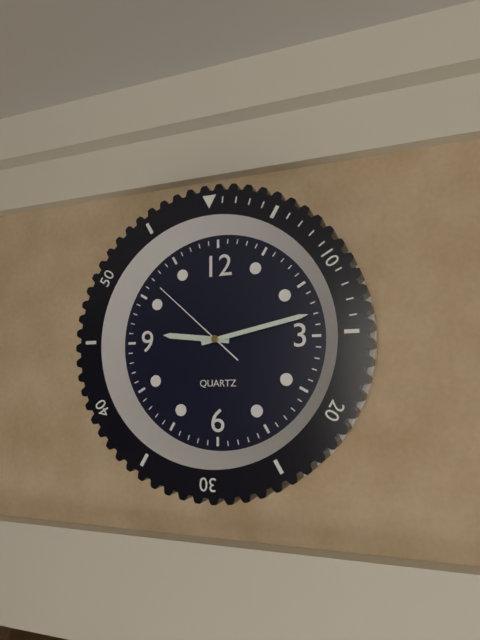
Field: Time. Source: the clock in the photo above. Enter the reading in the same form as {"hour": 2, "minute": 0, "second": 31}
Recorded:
{"hour": 9, "minute": 13, "second": 52}
